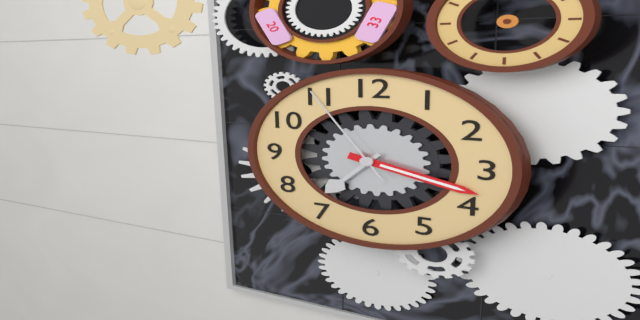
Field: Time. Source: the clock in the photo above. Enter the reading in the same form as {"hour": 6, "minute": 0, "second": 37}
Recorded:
{"hour": 7, "minute": 18, "second": 55}
